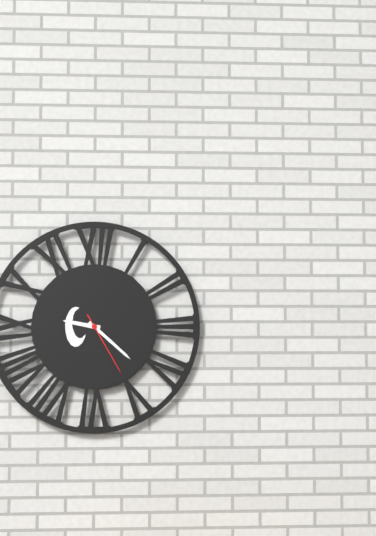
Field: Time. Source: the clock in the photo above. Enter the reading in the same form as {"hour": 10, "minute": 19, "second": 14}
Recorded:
{"hour": 9, "minute": 22, "second": 25}
